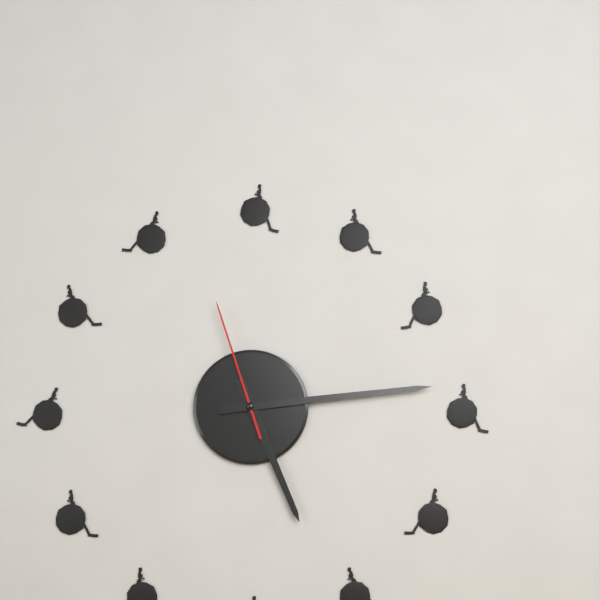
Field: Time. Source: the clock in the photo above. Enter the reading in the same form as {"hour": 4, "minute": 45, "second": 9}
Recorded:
{"hour": 5, "minute": 14, "second": 57}
